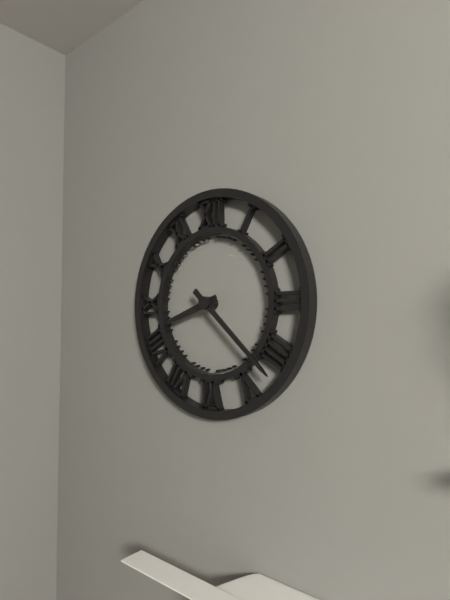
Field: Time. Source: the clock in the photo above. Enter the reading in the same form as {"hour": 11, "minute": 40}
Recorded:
{"hour": 8, "minute": 22}
